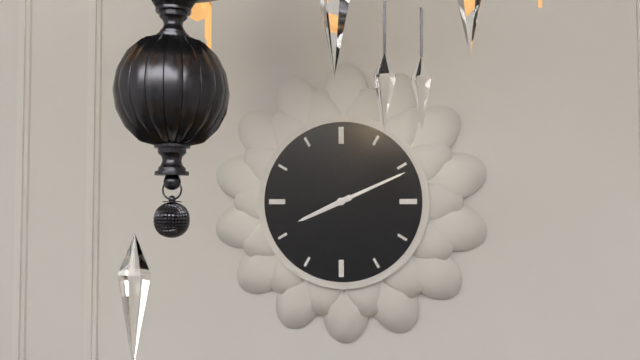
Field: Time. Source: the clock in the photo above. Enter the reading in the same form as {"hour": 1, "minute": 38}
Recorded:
{"hour": 8, "minute": 11}
